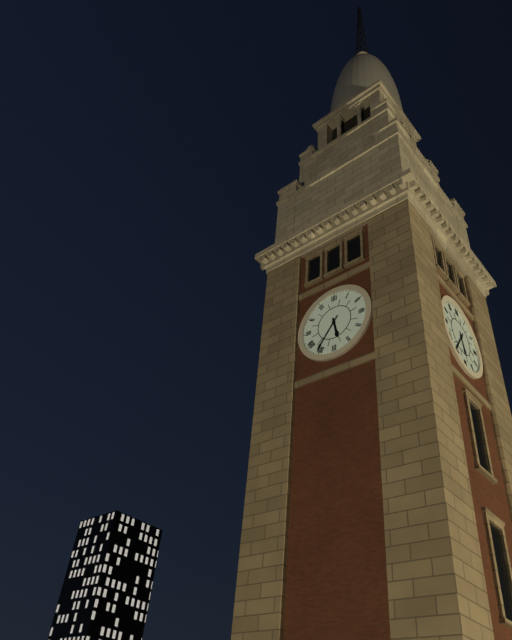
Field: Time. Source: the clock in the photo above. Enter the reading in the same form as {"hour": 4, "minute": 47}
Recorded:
{"hour": 5, "minute": 36}
